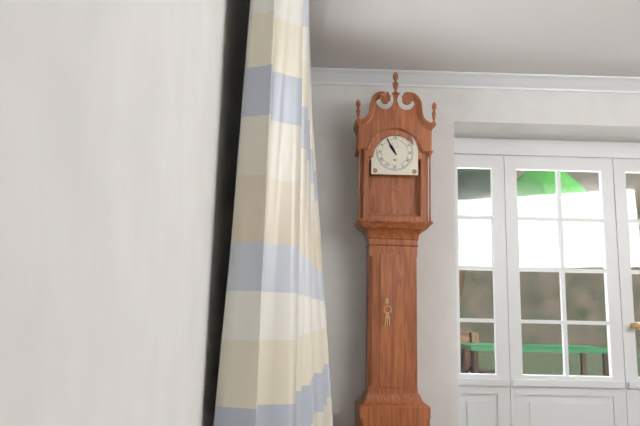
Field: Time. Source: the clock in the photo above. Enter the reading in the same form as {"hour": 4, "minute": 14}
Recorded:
{"hour": 10, "minute": 55}
